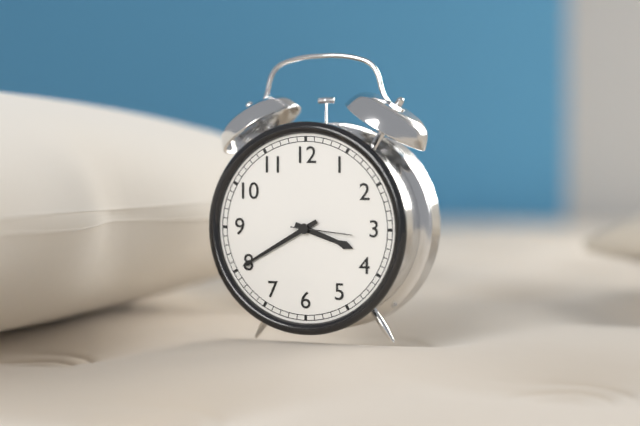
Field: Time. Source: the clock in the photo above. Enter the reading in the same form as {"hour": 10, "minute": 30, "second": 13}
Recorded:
{"hour": 3, "minute": 40, "second": 16}
